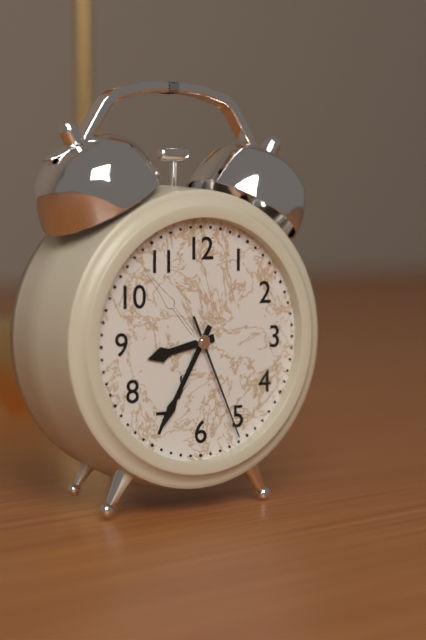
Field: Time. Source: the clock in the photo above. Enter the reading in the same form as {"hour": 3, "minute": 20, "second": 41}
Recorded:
{"hour": 8, "minute": 35, "second": 26}
